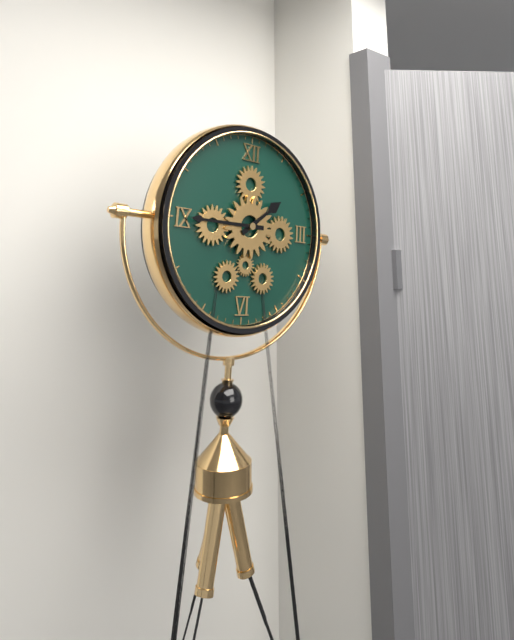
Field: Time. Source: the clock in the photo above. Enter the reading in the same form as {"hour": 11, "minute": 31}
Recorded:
{"hour": 1, "minute": 45}
